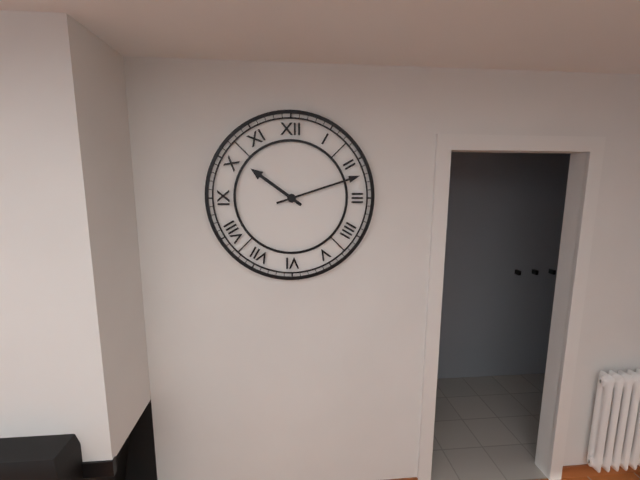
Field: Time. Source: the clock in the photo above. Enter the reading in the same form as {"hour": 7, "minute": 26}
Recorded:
{"hour": 10, "minute": 12}
